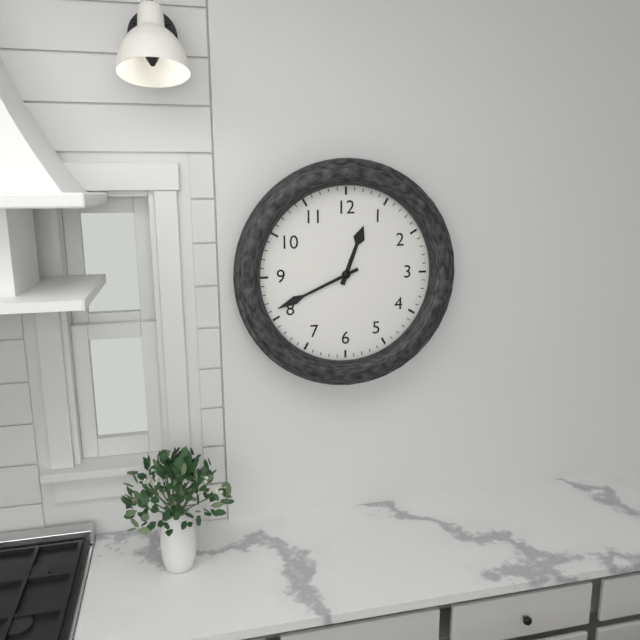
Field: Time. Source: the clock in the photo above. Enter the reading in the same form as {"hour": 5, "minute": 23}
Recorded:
{"hour": 12, "minute": 41}
